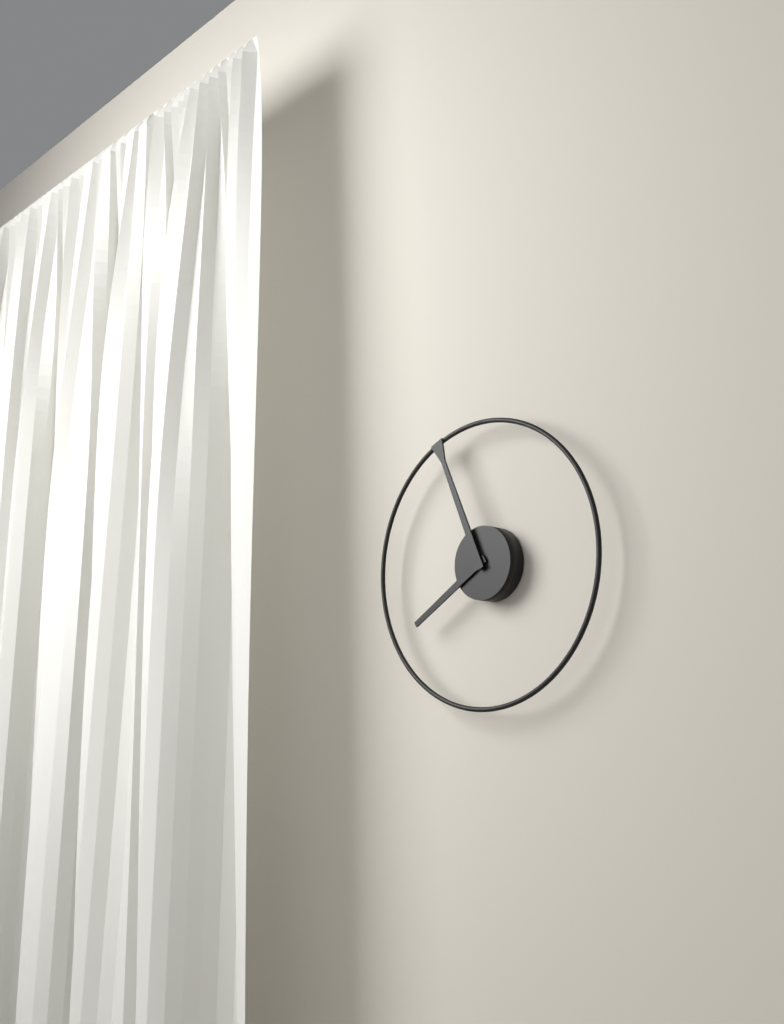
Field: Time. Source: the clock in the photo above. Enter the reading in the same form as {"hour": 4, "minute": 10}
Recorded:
{"hour": 7, "minute": 56}
